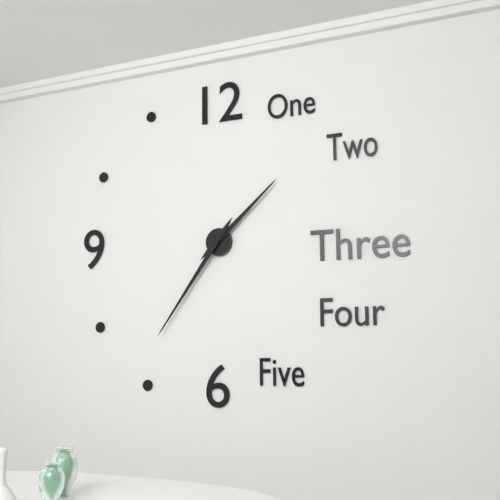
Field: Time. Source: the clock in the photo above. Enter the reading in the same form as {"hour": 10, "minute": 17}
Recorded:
{"hour": 1, "minute": 36}
